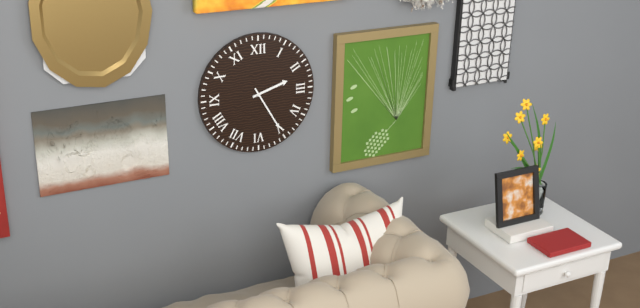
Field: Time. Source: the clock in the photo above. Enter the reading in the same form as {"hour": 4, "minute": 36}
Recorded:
{"hour": 2, "minute": 25}
